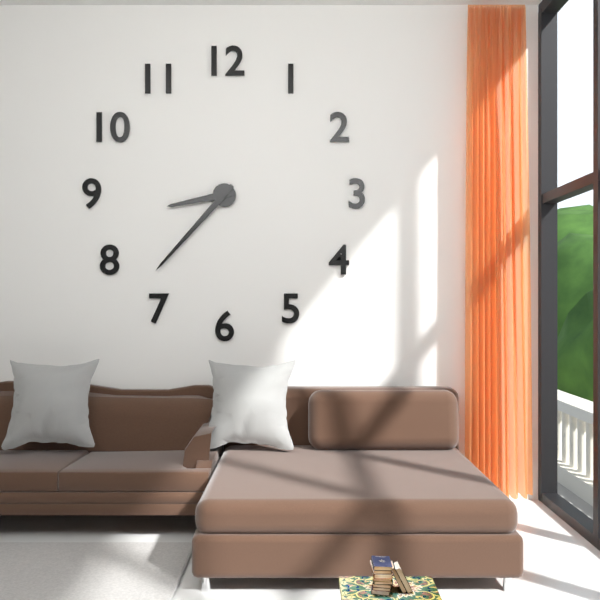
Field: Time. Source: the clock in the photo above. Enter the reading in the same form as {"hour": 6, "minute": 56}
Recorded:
{"hour": 8, "minute": 37}
